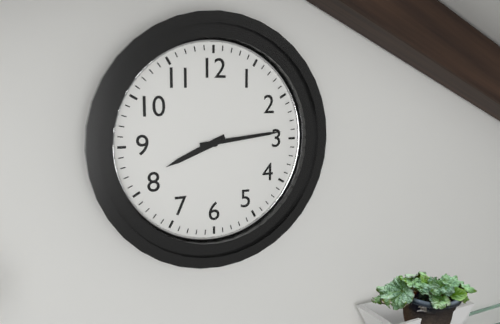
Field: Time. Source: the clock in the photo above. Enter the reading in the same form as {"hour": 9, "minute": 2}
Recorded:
{"hour": 8, "minute": 14}
